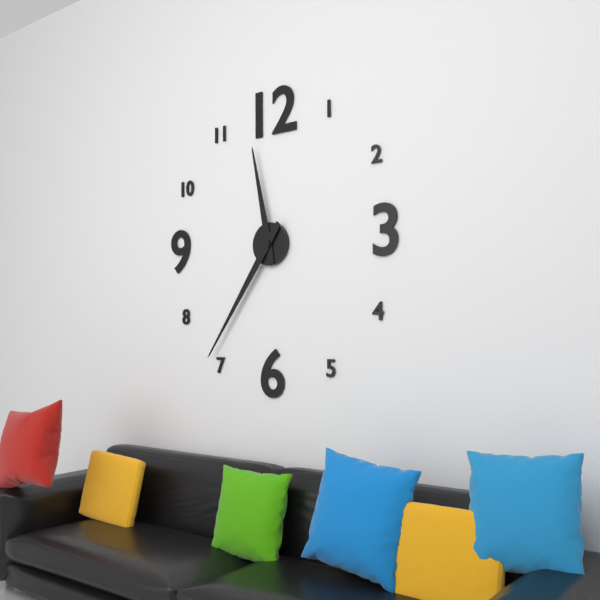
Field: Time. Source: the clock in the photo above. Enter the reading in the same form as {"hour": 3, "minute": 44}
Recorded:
{"hour": 11, "minute": 36}
